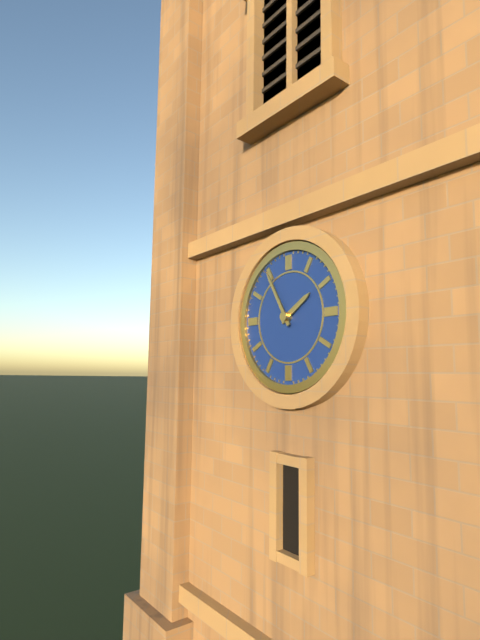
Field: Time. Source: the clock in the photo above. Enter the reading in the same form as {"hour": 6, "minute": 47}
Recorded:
{"hour": 1, "minute": 55}
